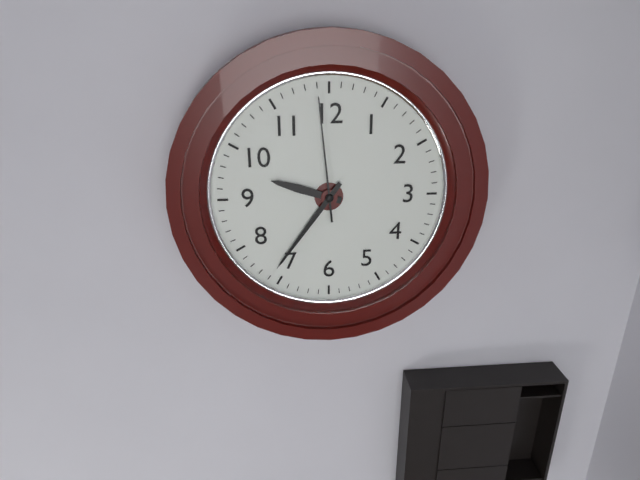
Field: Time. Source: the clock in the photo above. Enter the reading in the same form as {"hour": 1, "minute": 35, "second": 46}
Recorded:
{"hour": 9, "minute": 36, "second": 59}
